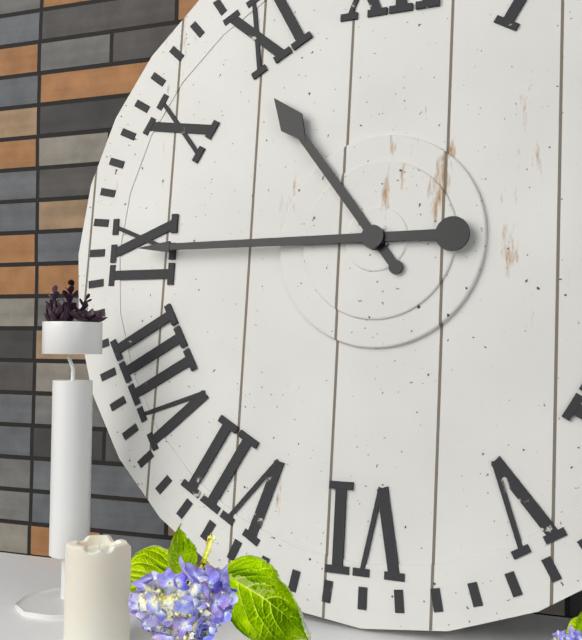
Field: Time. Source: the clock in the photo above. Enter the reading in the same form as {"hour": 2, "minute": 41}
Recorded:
{"hour": 10, "minute": 45}
